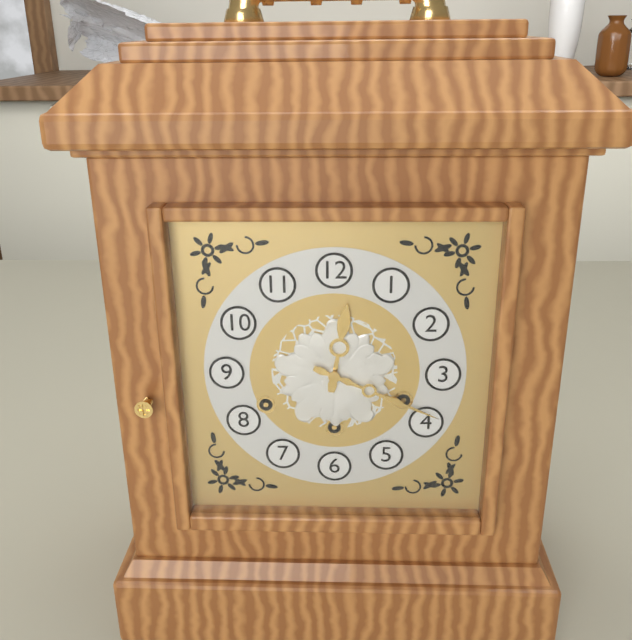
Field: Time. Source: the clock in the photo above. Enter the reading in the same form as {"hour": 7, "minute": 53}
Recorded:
{"hour": 12, "minute": 19}
